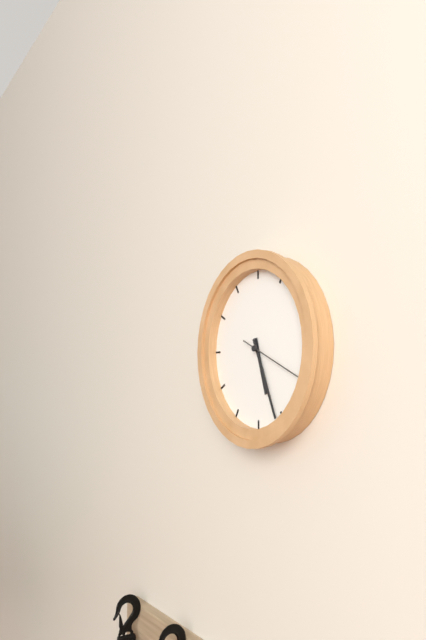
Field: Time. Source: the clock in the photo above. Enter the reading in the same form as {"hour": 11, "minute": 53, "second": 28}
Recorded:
{"hour": 5, "minute": 26, "second": 19}
